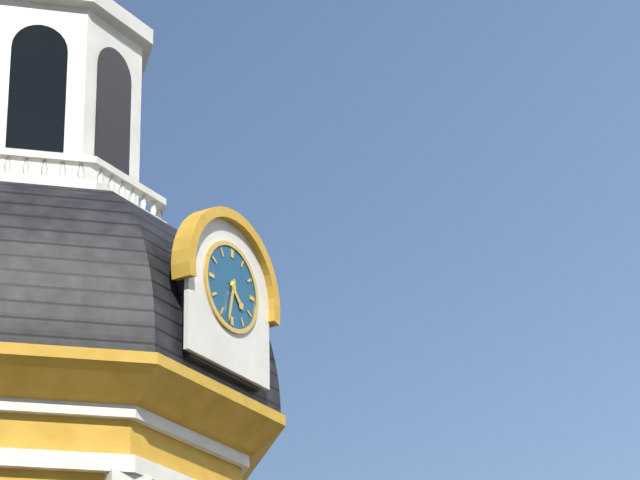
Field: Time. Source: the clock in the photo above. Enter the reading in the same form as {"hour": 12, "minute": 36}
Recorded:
{"hour": 4, "minute": 32}
